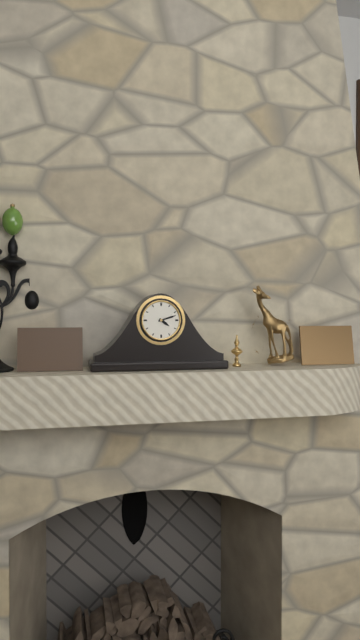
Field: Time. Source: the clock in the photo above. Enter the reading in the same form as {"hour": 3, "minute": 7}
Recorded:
{"hour": 4, "minute": 12}
